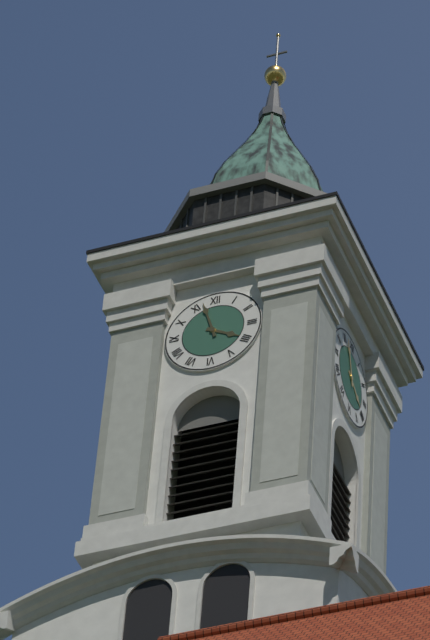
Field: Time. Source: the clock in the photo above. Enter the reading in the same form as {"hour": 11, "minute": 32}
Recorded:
{"hour": 3, "minute": 57}
